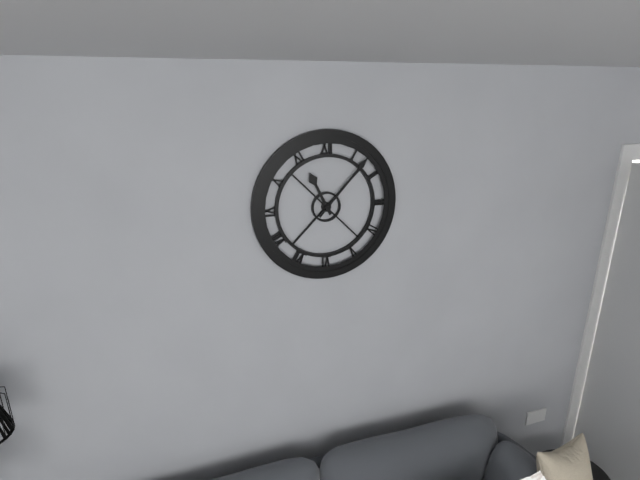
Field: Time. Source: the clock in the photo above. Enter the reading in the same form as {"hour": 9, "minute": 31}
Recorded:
{"hour": 11, "minute": 7}
